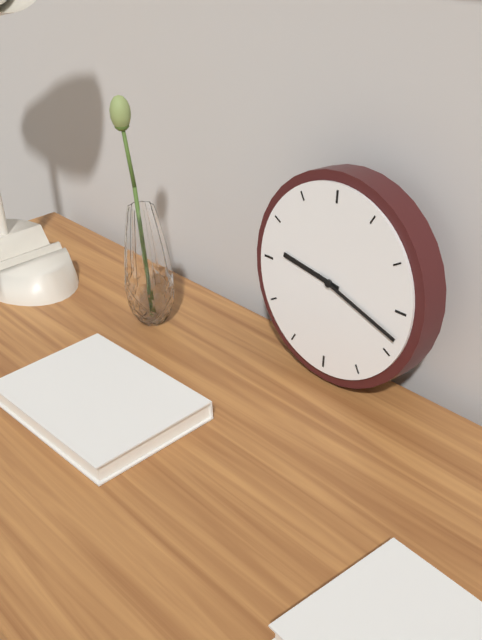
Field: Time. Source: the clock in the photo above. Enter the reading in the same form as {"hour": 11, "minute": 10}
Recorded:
{"hour": 9, "minute": 18}
